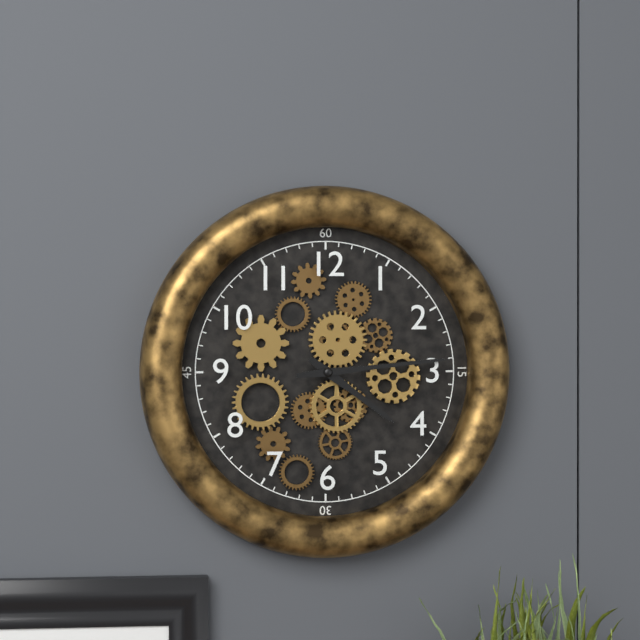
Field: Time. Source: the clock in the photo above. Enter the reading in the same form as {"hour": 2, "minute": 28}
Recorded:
{"hour": 4, "minute": 14}
